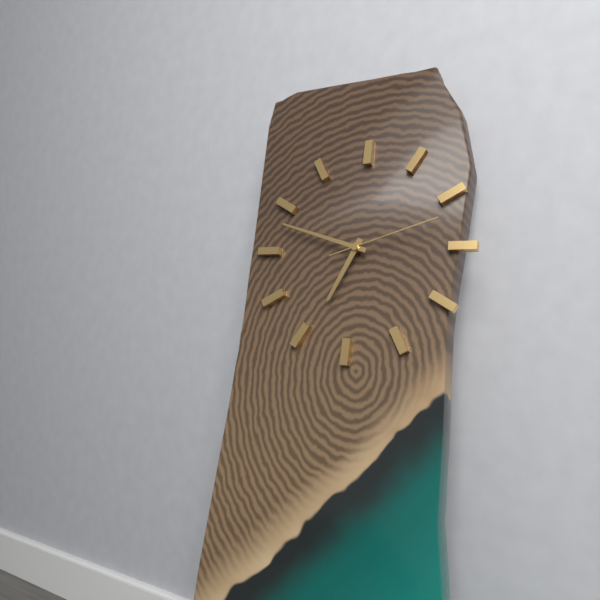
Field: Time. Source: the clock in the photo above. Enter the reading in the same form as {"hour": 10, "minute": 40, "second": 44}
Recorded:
{"hour": 6, "minute": 48, "second": 12}
